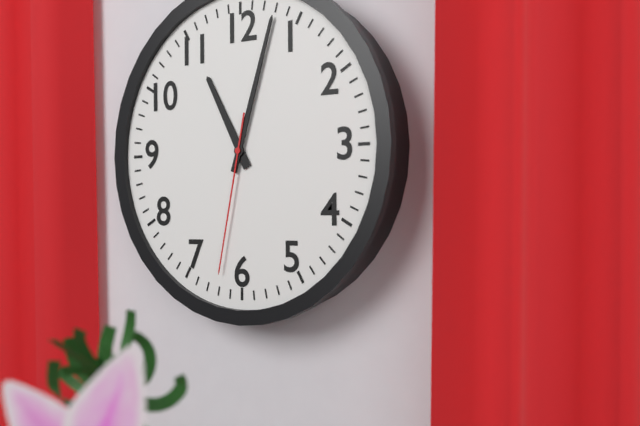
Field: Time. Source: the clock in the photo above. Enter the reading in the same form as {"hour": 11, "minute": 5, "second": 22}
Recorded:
{"hour": 11, "minute": 3, "second": 32}
